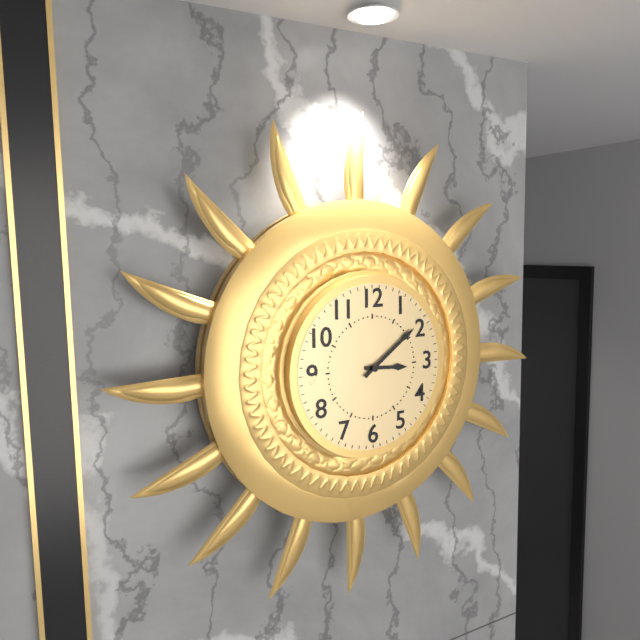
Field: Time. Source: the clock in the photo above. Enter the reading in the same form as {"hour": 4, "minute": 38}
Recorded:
{"hour": 3, "minute": 9}
